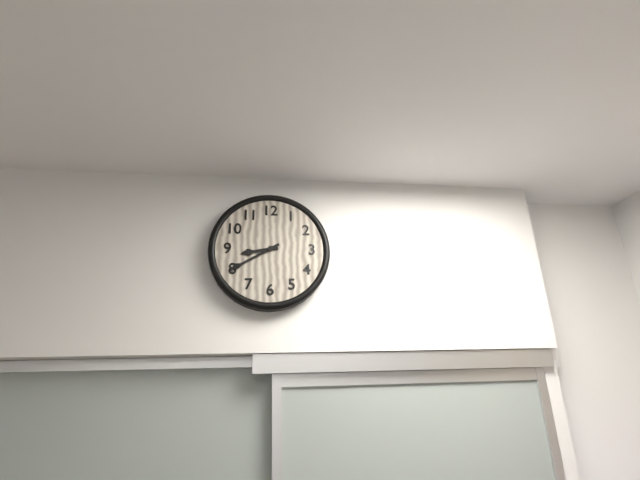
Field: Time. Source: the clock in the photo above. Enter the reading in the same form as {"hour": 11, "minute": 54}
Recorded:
{"hour": 8, "minute": 40}
